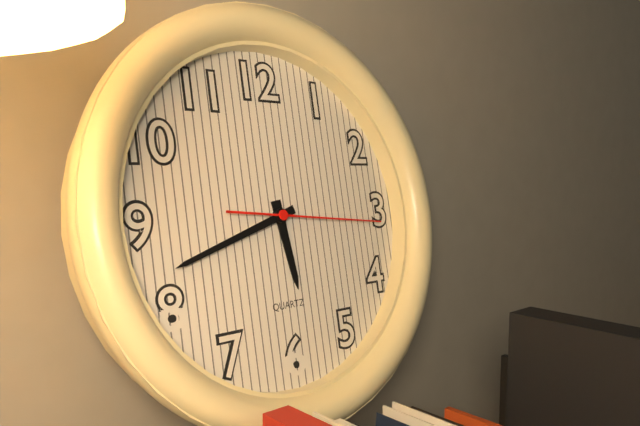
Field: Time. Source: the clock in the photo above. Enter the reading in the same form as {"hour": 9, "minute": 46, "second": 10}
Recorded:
{"hour": 5, "minute": 42, "second": 16}
